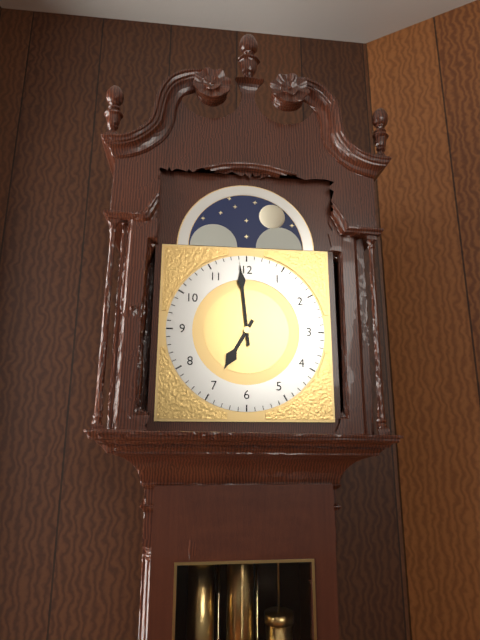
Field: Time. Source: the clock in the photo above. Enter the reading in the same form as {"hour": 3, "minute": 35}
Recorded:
{"hour": 6, "minute": 59}
